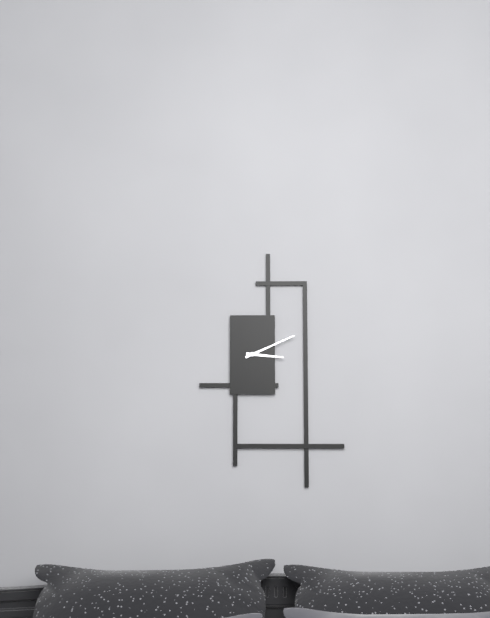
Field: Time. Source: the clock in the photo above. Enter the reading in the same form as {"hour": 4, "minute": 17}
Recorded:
{"hour": 3, "minute": 11}
